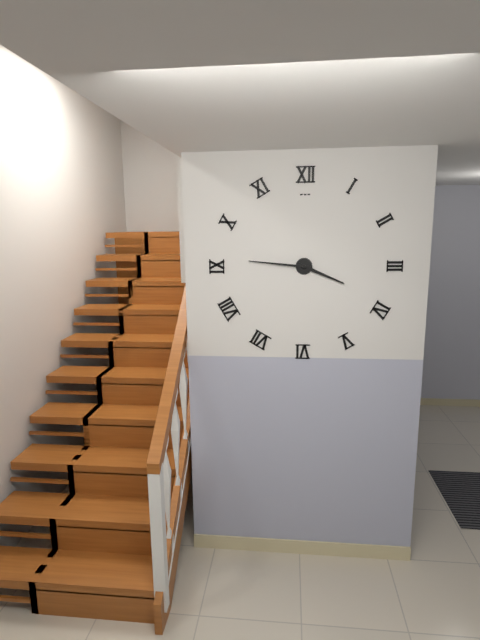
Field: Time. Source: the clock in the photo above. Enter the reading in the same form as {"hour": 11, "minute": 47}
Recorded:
{"hour": 3, "minute": 46}
